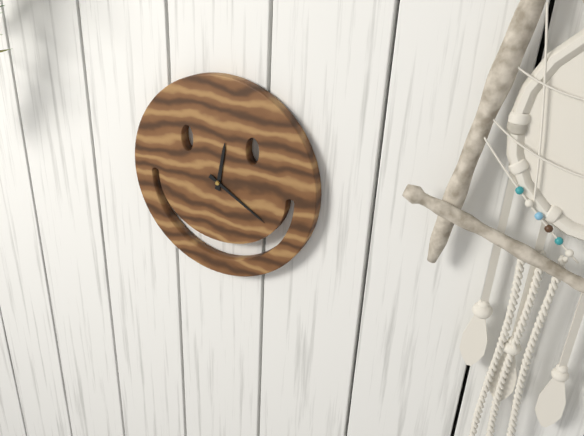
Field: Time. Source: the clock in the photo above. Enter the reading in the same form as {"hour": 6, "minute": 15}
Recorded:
{"hour": 12, "minute": 20}
